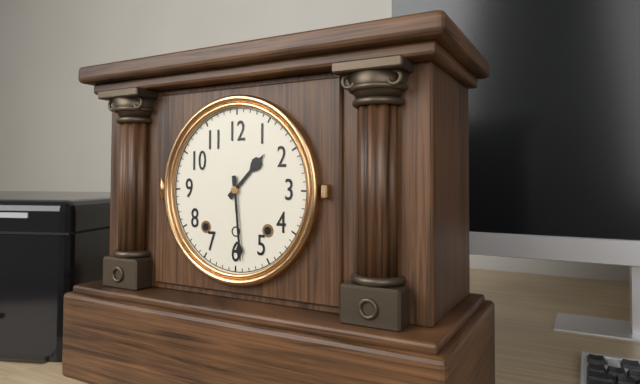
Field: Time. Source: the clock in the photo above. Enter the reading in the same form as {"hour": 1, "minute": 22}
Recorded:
{"hour": 1, "minute": 29}
